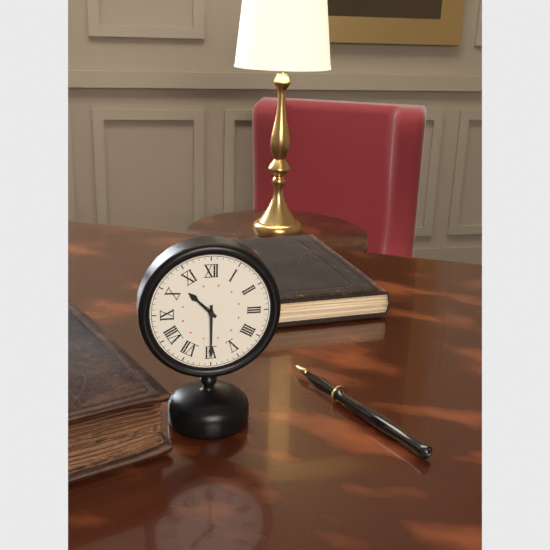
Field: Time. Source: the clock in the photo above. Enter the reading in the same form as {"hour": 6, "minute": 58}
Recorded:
{"hour": 10, "minute": 30}
